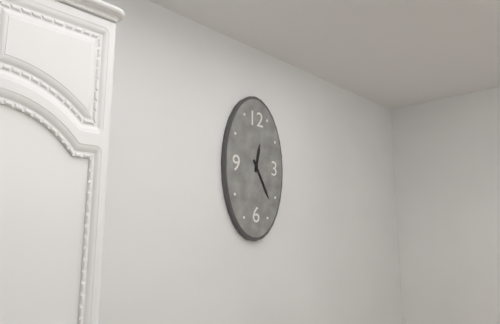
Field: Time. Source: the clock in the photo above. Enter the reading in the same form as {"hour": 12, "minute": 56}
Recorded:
{"hour": 12, "minute": 25}
